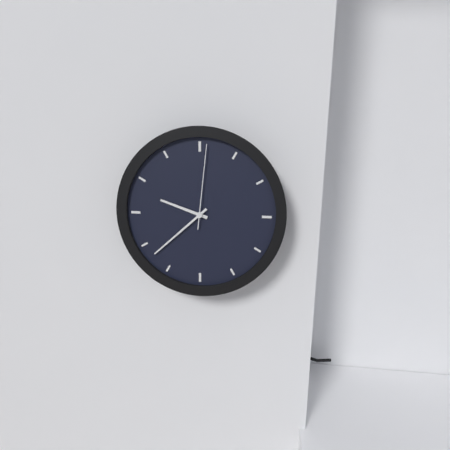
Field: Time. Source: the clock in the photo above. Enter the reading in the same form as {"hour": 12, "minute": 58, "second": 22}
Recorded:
{"hour": 9, "minute": 38, "second": 1}
